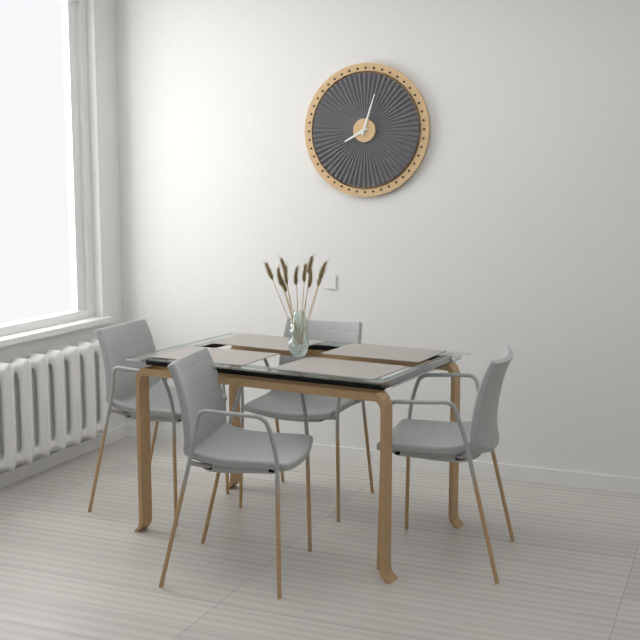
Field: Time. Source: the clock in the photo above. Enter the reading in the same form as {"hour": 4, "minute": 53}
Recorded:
{"hour": 8, "minute": 3}
